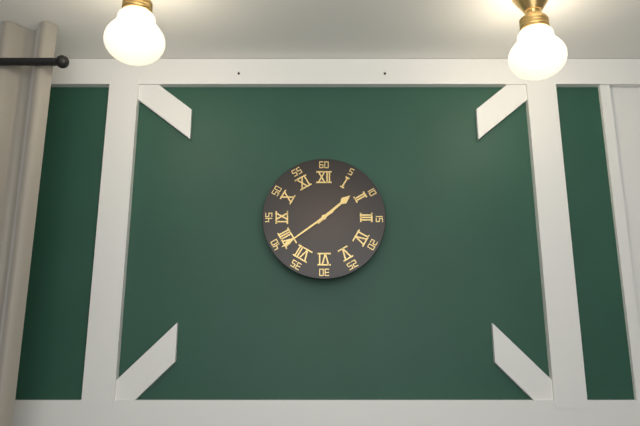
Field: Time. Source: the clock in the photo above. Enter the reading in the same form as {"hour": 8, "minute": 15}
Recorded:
{"hour": 1, "minute": 39}
